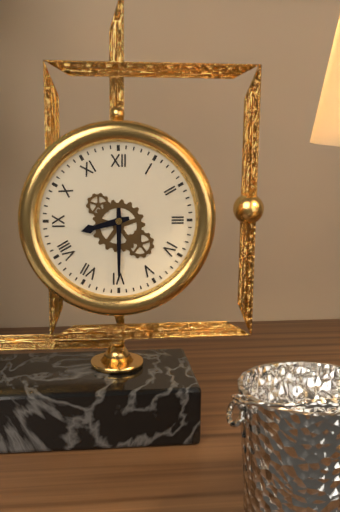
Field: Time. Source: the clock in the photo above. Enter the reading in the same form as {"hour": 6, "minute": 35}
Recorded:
{"hour": 8, "minute": 30}
